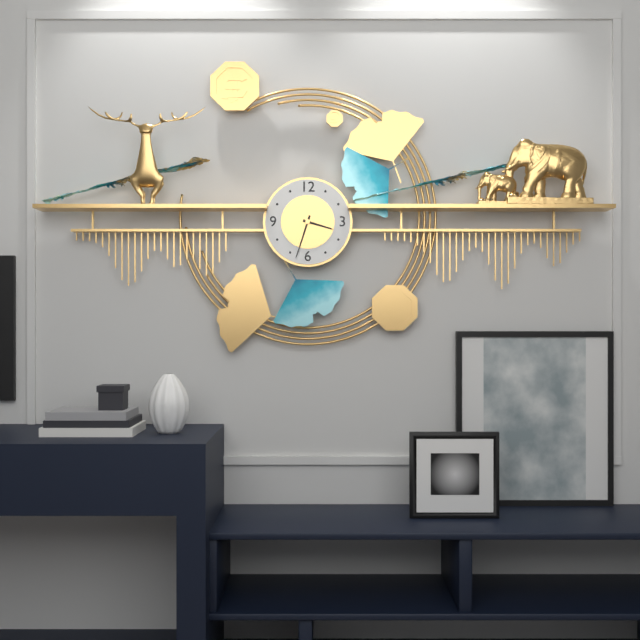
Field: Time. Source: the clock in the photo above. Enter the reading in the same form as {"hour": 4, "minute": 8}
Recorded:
{"hour": 3, "minute": 33}
